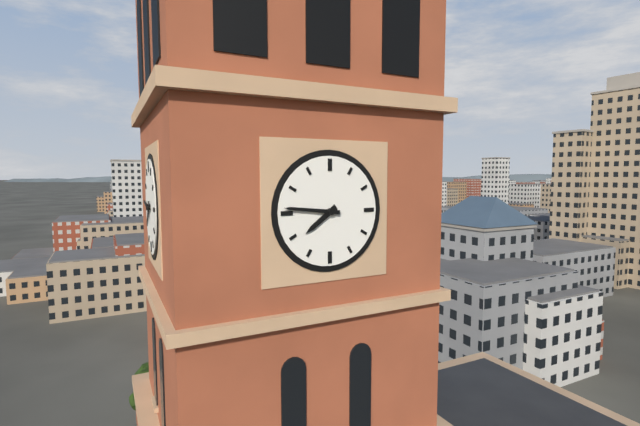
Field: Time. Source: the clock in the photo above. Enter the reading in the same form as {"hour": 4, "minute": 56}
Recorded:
{"hour": 7, "minute": 46}
